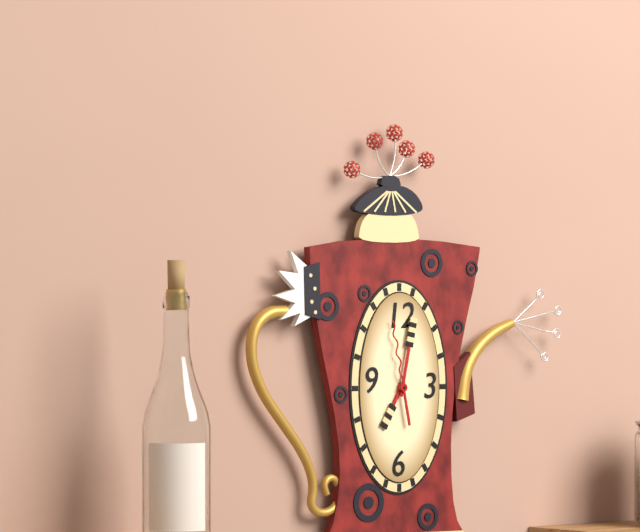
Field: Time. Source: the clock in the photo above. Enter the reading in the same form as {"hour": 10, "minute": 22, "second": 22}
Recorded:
{"hour": 7, "minute": 2, "second": 58}
